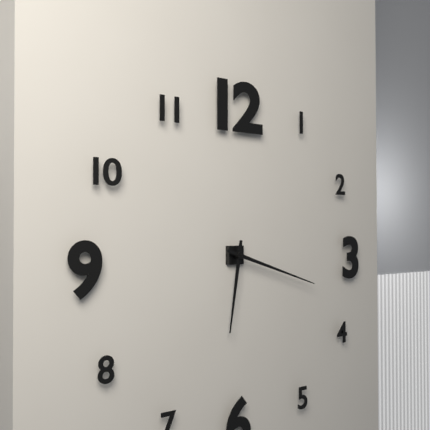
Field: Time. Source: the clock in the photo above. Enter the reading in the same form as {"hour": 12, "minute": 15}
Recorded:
{"hour": 6, "minute": 18}
